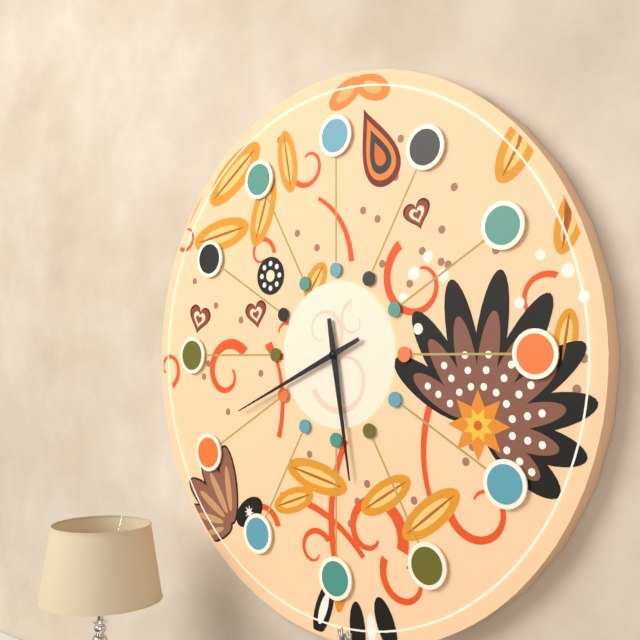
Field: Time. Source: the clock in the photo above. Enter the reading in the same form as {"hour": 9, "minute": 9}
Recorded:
{"hour": 5, "minute": 41}
